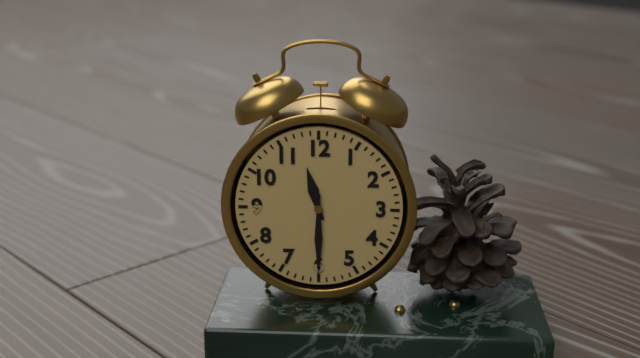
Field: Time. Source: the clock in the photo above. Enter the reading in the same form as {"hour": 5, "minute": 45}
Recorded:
{"hour": 11, "minute": 30}
